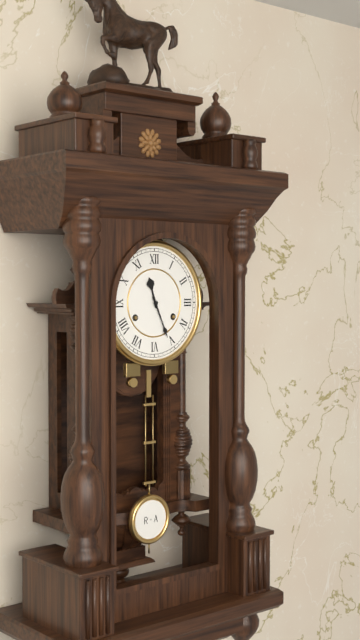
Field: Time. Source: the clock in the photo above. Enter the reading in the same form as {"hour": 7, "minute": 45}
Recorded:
{"hour": 11, "minute": 26}
